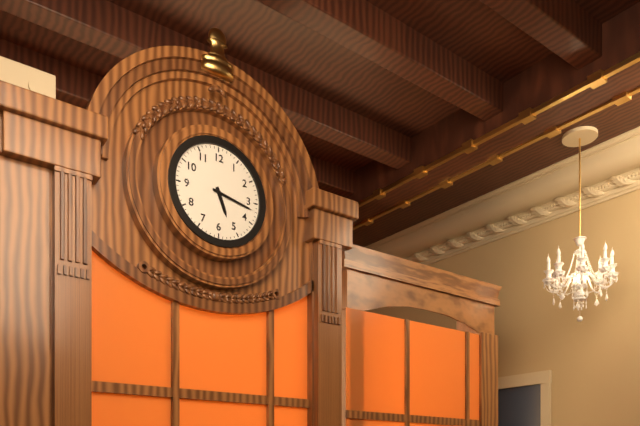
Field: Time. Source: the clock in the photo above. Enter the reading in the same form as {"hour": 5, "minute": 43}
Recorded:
{"hour": 5, "minute": 17}
